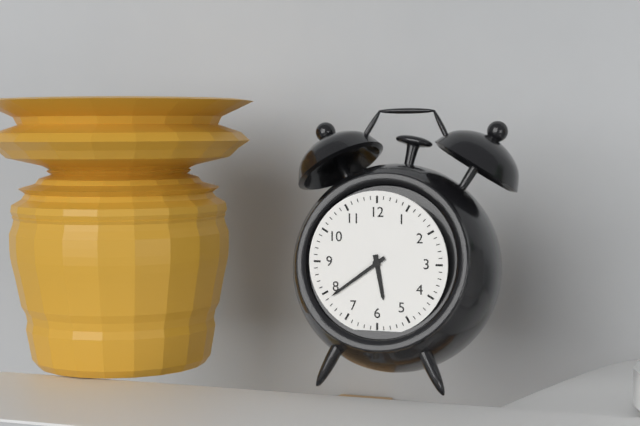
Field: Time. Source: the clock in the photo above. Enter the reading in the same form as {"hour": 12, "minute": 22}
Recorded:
{"hour": 5, "minute": 39}
